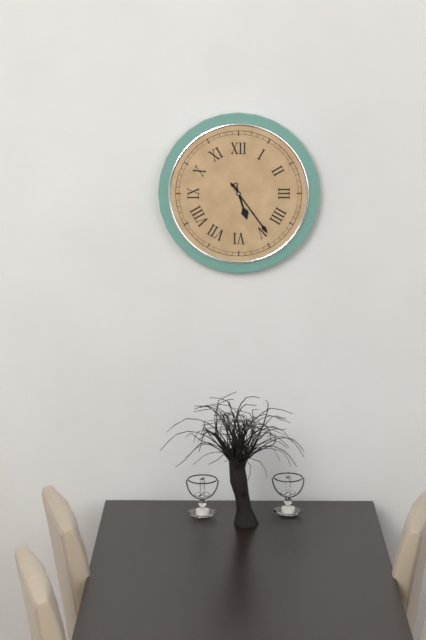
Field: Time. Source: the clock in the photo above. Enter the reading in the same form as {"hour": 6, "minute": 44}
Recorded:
{"hour": 5, "minute": 24}
